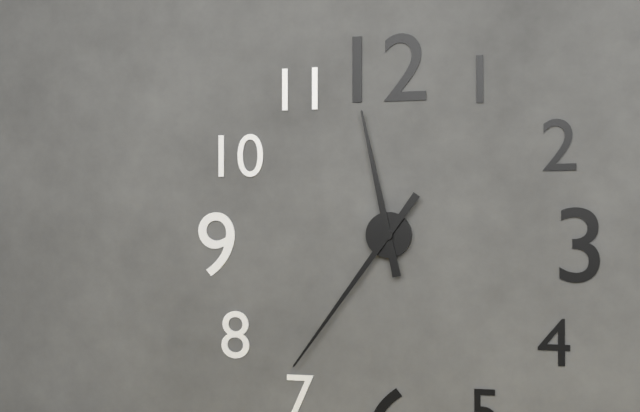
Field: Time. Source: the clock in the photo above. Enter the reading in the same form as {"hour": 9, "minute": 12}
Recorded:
{"hour": 11, "minute": 36}
